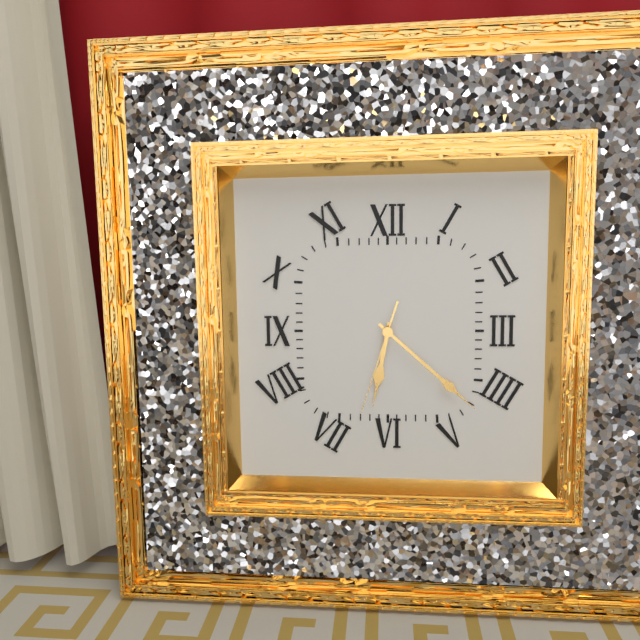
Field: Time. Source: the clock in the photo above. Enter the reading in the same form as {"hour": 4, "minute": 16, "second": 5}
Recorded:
{"hour": 6, "minute": 22, "second": 33}
